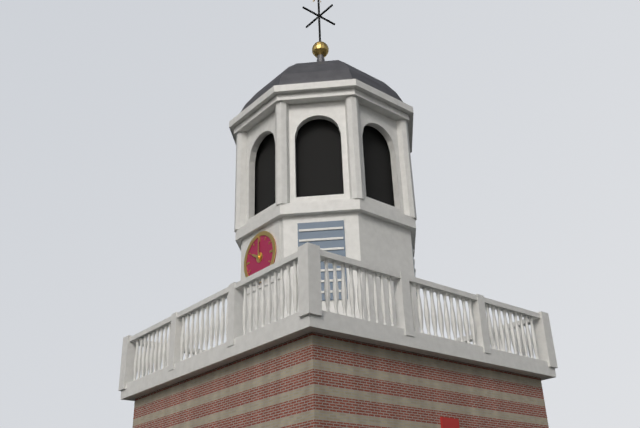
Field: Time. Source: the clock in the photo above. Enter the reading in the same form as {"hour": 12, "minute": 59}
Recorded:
{"hour": 10, "minute": 0}
